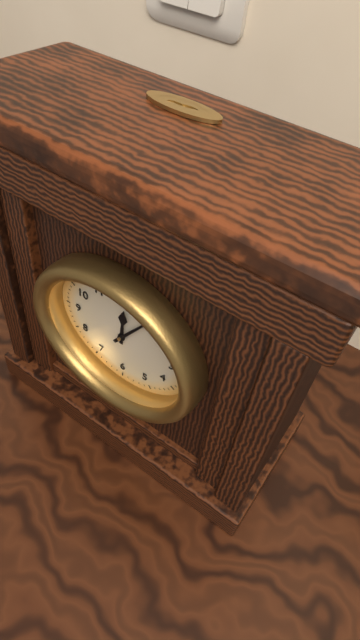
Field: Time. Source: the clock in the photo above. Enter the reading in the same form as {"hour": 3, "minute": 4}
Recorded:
{"hour": 12, "minute": 6}
